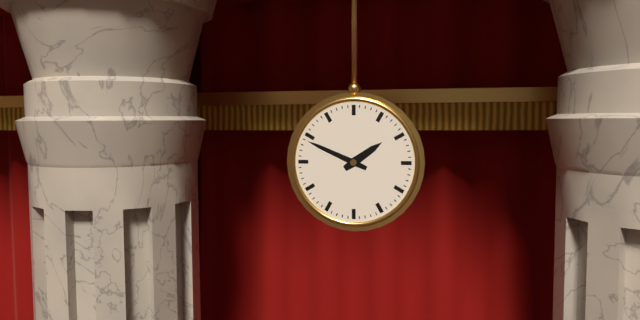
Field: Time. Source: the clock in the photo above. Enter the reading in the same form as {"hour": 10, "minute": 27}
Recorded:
{"hour": 1, "minute": 49}
